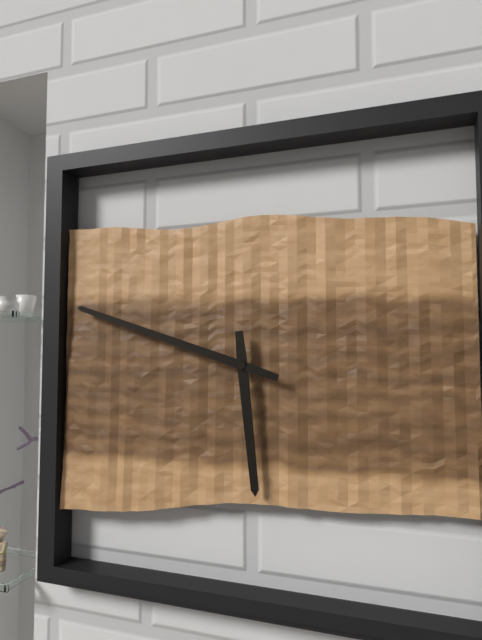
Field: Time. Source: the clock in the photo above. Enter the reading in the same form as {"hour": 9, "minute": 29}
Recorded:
{"hour": 5, "minute": 48}
